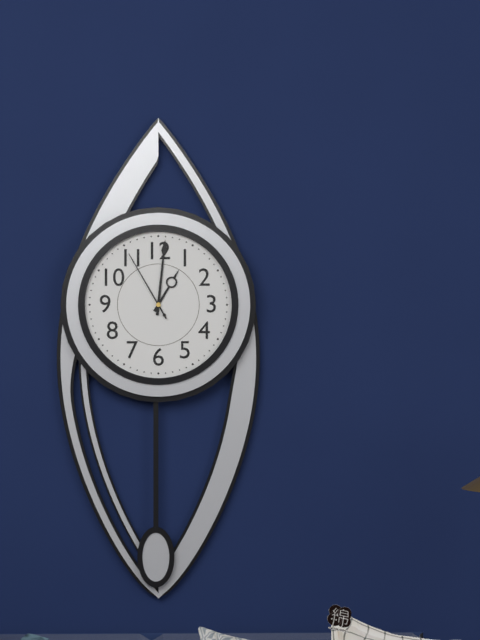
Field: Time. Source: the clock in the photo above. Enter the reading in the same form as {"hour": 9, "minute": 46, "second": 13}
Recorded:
{"hour": 1, "minute": 1, "second": 55}
